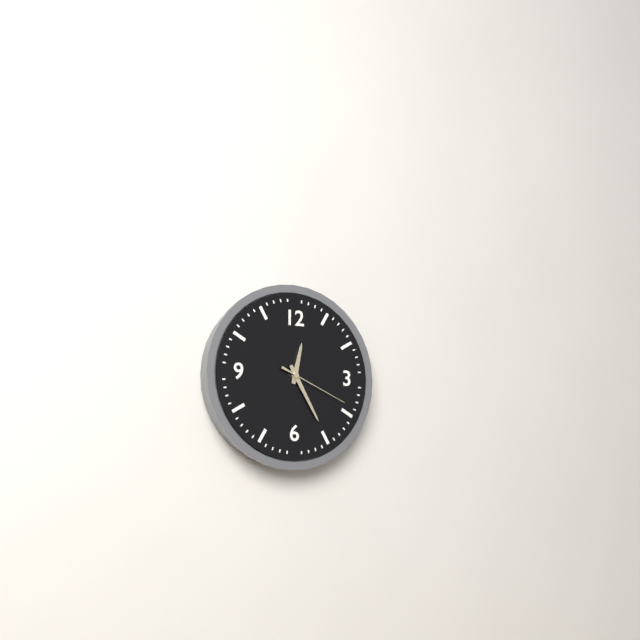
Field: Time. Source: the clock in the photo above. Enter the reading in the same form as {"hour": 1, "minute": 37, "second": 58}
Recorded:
{"hour": 12, "minute": 25, "second": 19}
